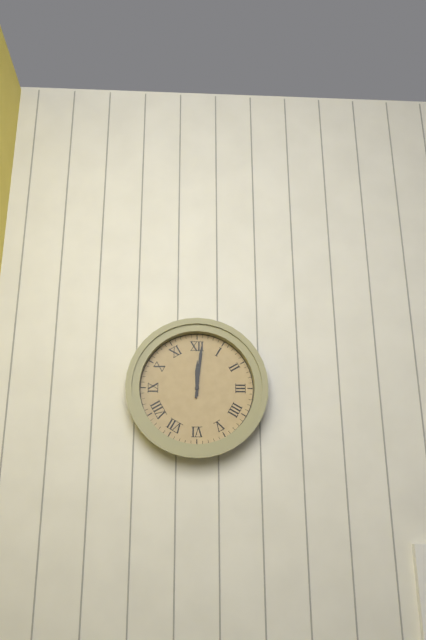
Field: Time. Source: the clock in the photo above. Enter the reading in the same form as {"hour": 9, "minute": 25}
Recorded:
{"hour": 12, "minute": 1}
